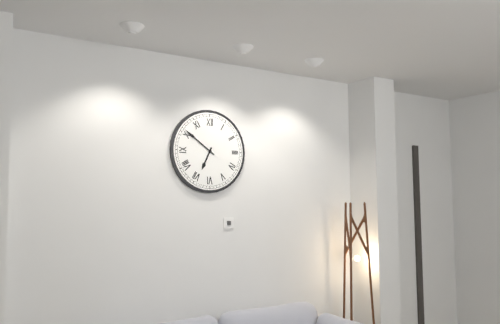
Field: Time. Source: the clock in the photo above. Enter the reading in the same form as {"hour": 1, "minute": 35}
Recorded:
{"hour": 6, "minute": 51}
